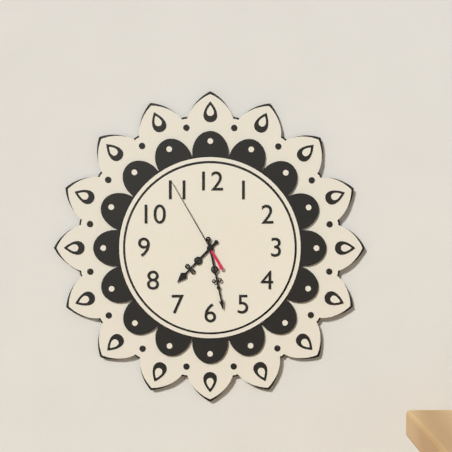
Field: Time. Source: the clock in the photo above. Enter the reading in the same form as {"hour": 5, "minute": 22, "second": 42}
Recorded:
{"hour": 7, "minute": 28, "second": 55}
